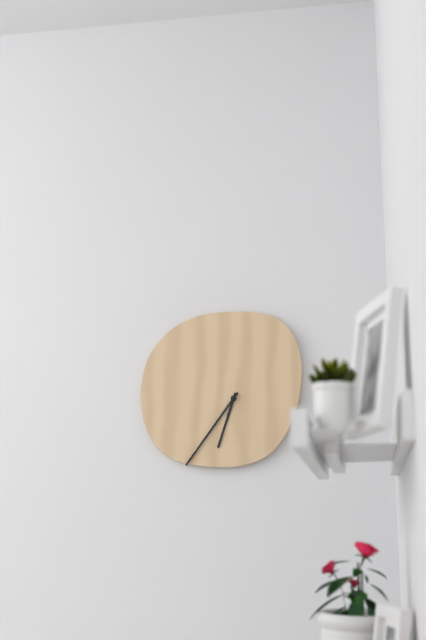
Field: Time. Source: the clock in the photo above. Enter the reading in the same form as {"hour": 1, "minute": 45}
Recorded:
{"hour": 6, "minute": 36}
